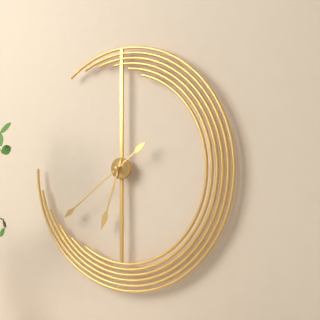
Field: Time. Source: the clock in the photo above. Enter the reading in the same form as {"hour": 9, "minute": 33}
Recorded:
{"hour": 6, "minute": 39}
